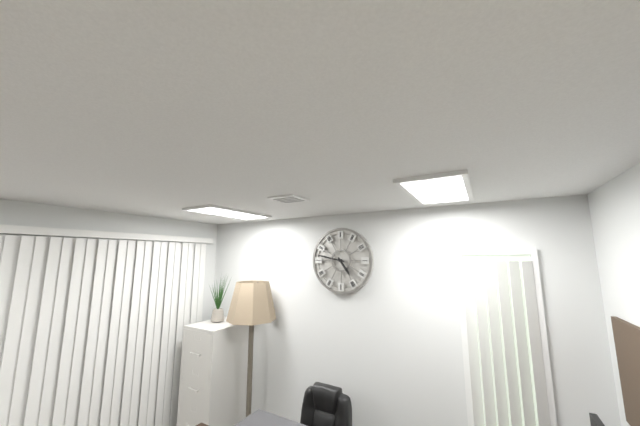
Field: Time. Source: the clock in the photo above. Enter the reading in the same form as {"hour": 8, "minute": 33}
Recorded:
{"hour": 4, "minute": 47}
